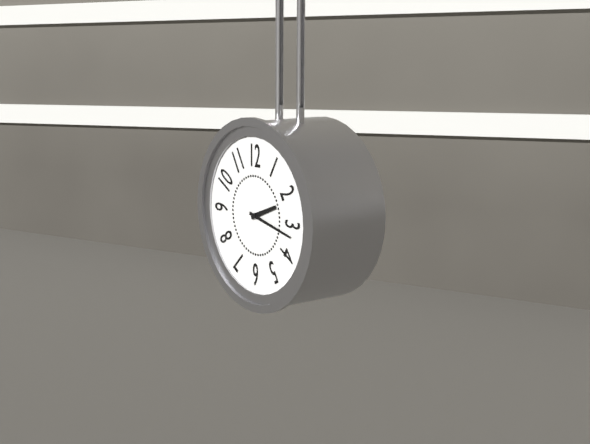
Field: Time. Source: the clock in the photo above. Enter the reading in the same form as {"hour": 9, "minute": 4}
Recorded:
{"hour": 2, "minute": 17}
